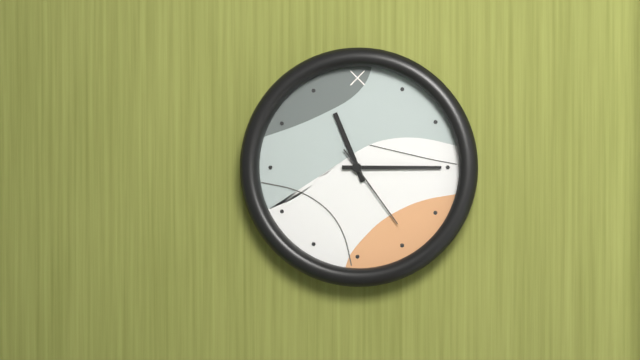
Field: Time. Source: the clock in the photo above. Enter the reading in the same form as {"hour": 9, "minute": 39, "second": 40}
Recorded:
{"hour": 11, "minute": 15, "second": 24}
